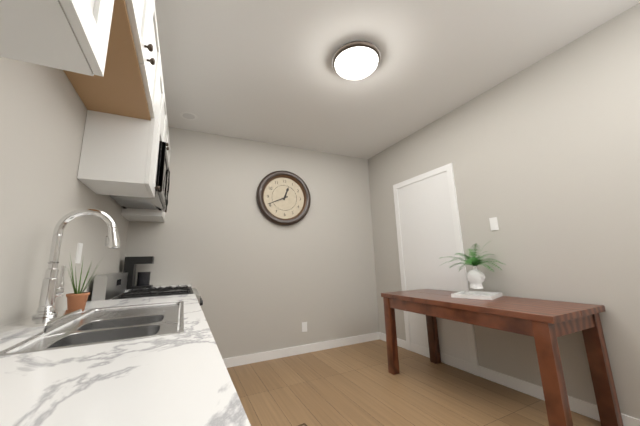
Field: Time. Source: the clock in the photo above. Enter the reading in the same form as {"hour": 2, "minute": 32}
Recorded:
{"hour": 12, "minute": 41}
